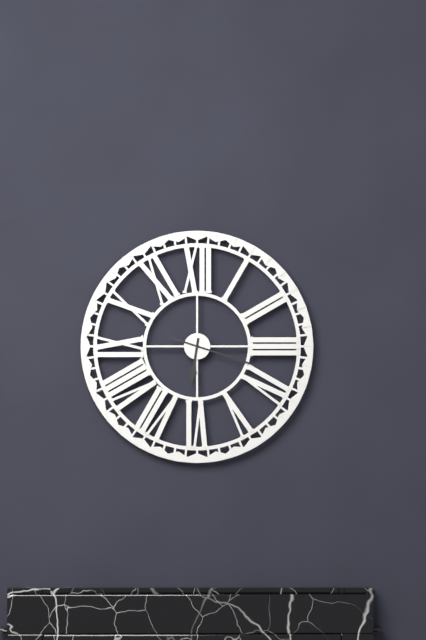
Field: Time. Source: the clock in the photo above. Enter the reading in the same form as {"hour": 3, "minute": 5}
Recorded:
{"hour": 6, "minute": 18}
